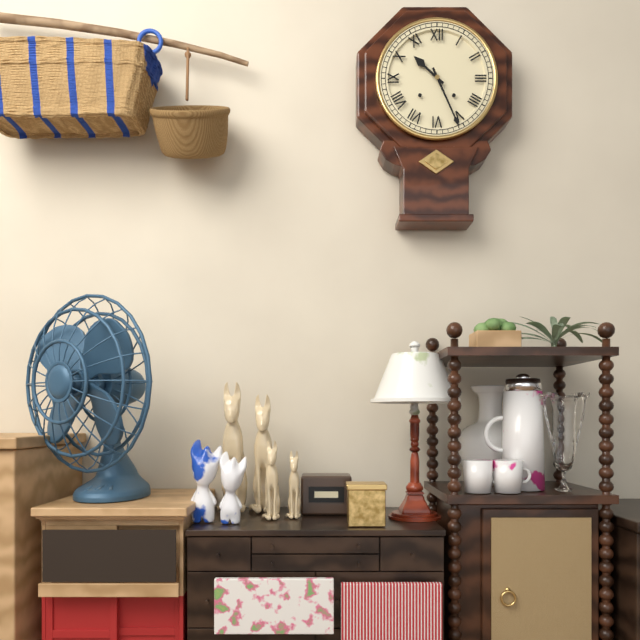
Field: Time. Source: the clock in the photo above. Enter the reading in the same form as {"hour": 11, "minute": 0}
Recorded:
{"hour": 10, "minute": 26}
